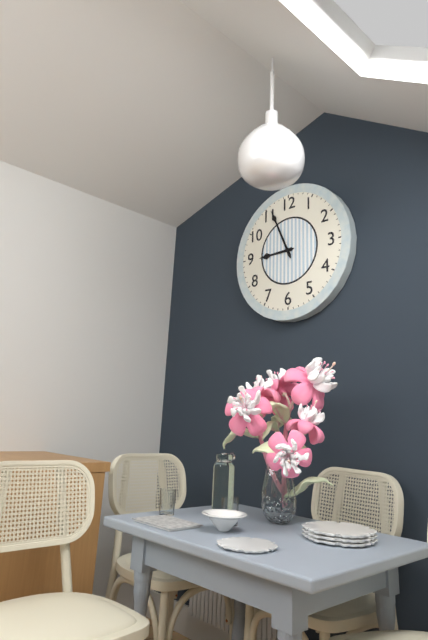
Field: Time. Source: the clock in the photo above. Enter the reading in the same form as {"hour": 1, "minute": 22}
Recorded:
{"hour": 8, "minute": 56}
